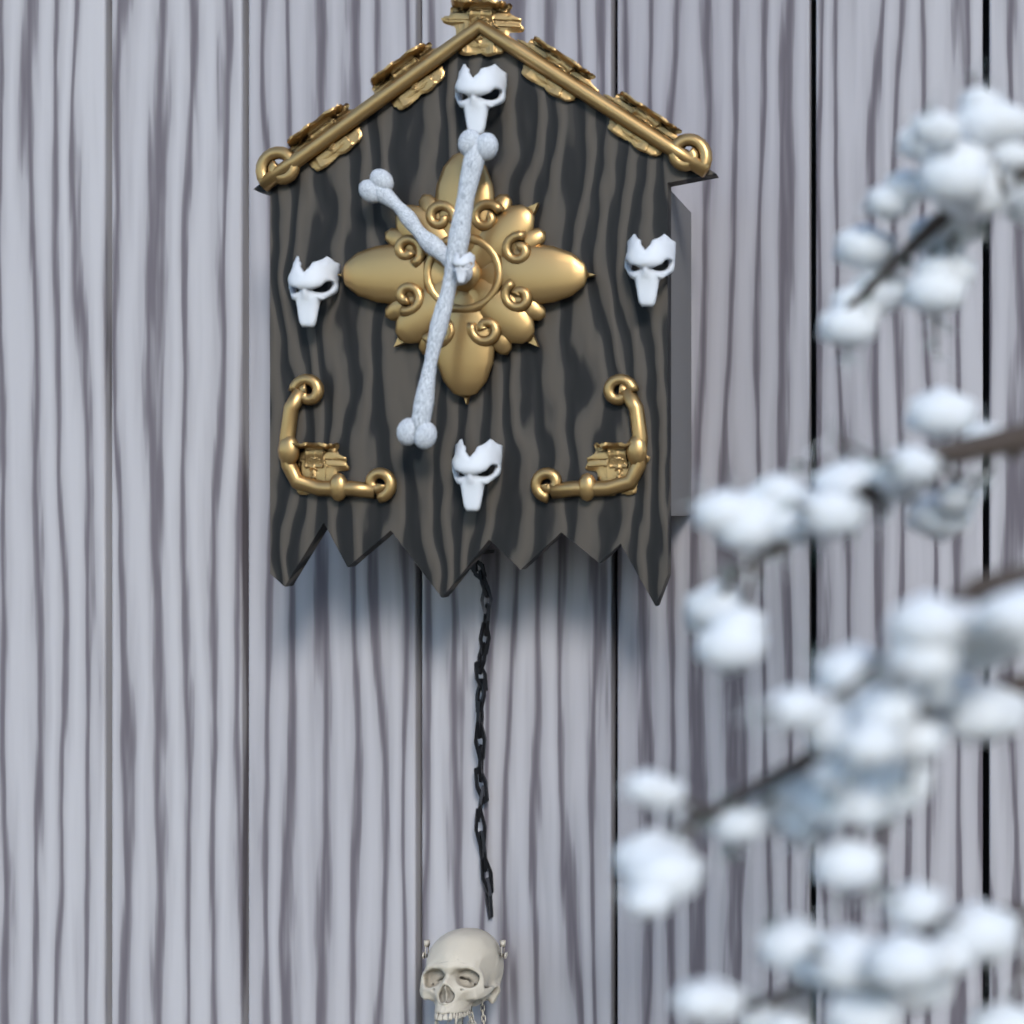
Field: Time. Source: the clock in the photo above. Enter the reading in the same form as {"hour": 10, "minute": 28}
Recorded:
{"hour": 10, "minute": 32}
